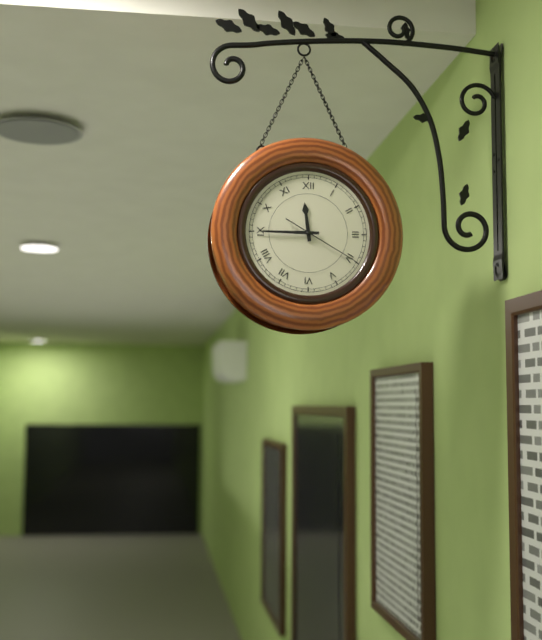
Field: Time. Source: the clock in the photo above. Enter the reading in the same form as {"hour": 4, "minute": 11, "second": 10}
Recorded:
{"hour": 11, "minute": 45, "second": 20}
